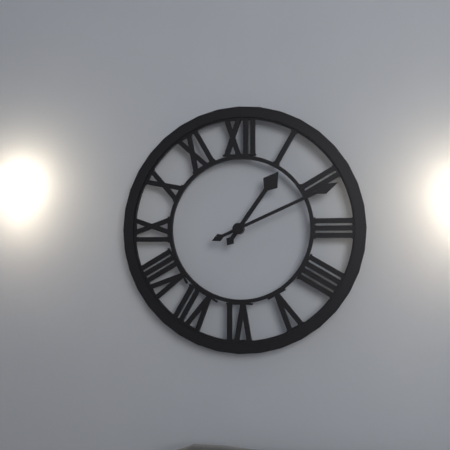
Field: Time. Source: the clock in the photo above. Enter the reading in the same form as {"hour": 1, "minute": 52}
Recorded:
{"hour": 1, "minute": 11}
